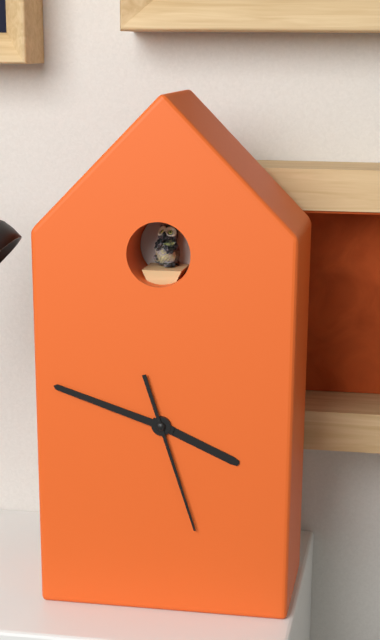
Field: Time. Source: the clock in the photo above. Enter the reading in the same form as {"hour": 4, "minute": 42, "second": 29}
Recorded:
{"hour": 3, "minute": 48, "second": 27}
